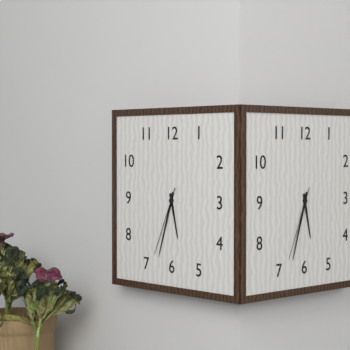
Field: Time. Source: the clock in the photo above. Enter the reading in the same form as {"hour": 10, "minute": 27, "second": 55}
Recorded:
{"hour": 5, "minute": 33, "second": 34}
